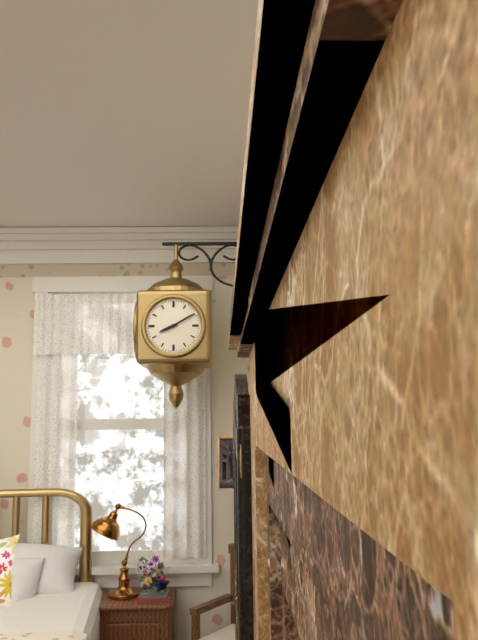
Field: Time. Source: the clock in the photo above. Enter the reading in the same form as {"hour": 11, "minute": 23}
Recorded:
{"hour": 8, "minute": 10}
